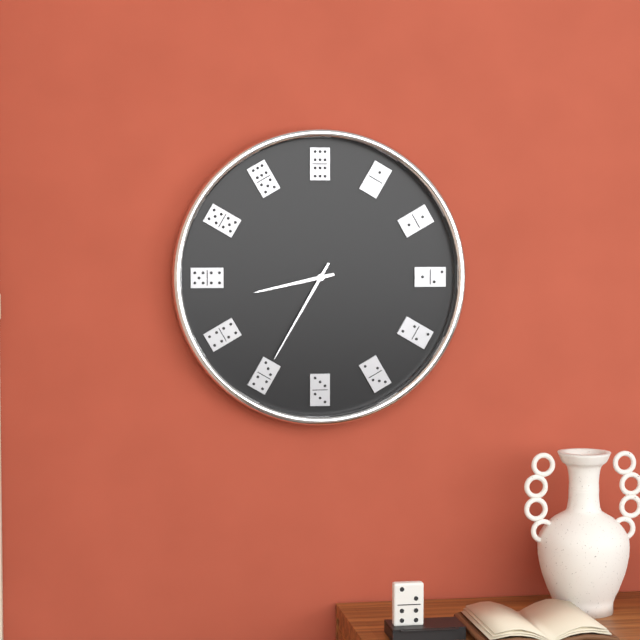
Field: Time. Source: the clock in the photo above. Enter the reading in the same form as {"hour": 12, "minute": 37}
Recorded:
{"hour": 8, "minute": 35}
